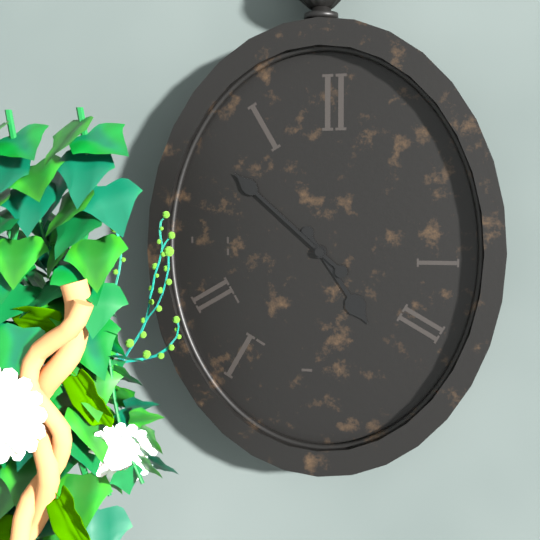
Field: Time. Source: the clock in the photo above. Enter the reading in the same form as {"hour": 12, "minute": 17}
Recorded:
{"hour": 4, "minute": 52}
